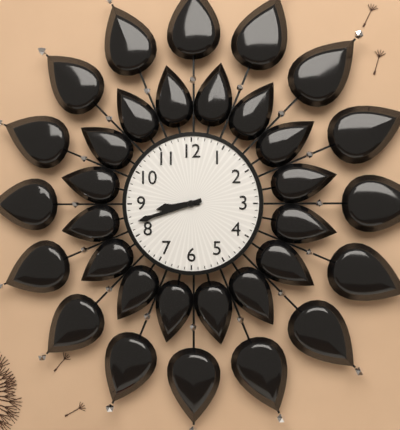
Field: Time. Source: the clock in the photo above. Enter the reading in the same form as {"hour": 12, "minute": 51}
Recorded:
{"hour": 8, "minute": 42}
